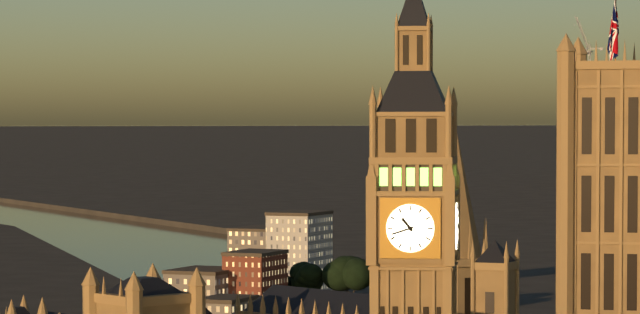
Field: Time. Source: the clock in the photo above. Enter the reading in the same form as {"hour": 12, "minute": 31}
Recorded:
{"hour": 10, "minute": 42}
